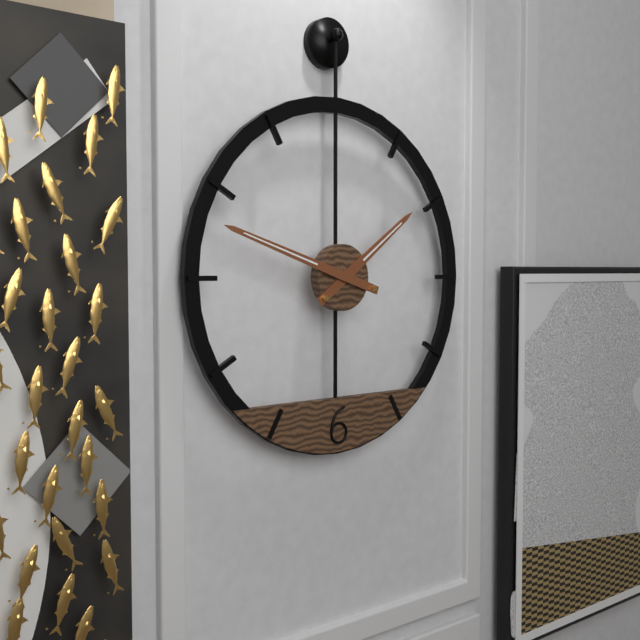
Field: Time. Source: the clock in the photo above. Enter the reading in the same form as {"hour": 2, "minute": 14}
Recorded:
{"hour": 1, "minute": 48}
